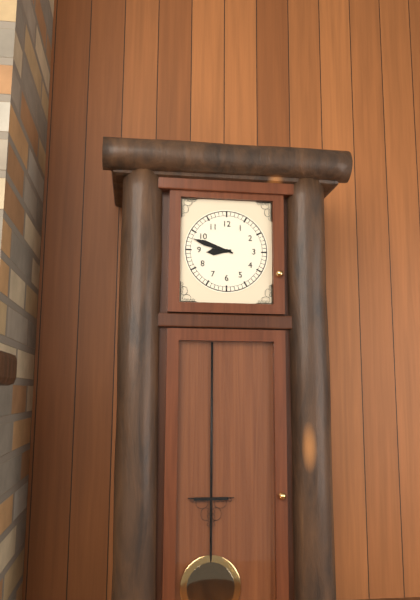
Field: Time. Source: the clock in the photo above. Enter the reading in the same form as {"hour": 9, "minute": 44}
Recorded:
{"hour": 8, "minute": 48}
